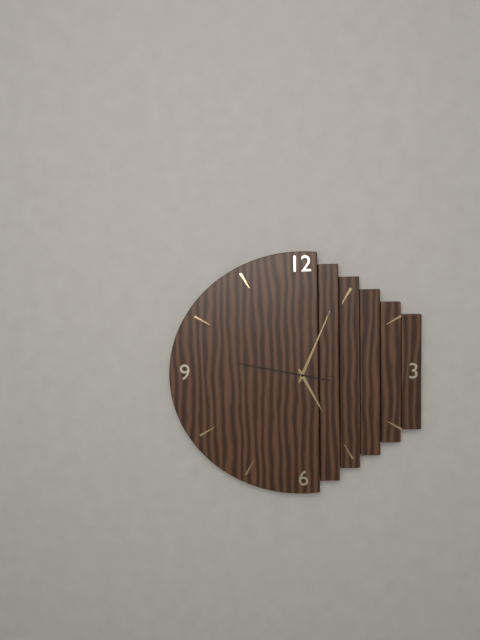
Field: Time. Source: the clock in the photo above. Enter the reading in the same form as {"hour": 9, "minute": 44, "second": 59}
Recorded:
{"hour": 5, "minute": 4, "second": 47}
